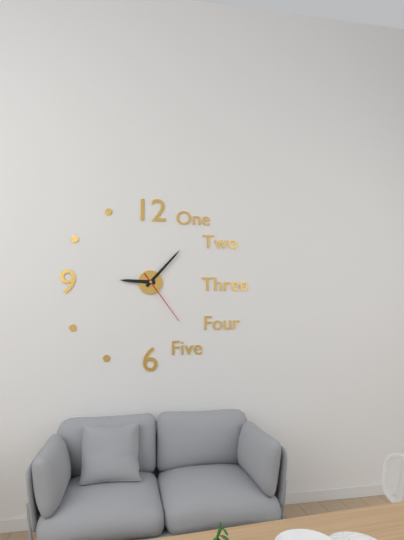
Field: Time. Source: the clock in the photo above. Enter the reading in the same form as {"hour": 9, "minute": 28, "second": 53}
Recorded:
{"hour": 9, "minute": 7, "second": 24}
